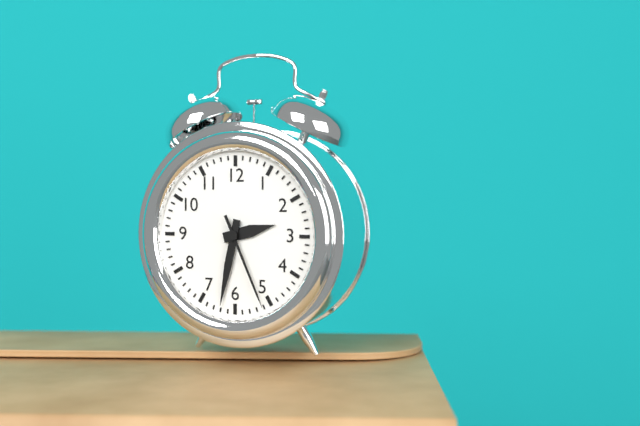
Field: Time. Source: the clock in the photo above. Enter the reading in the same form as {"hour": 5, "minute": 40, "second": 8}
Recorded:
{"hour": 2, "minute": 32, "second": 26}
